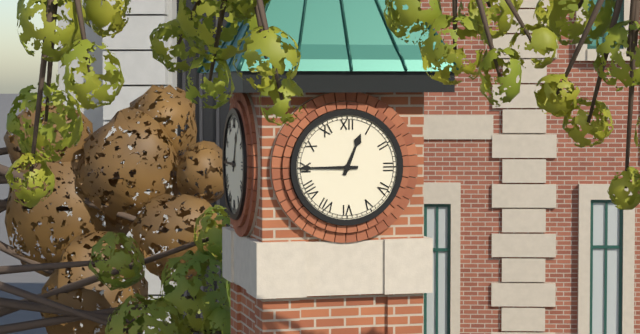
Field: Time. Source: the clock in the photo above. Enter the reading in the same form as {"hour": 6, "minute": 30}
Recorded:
{"hour": 12, "minute": 45}
